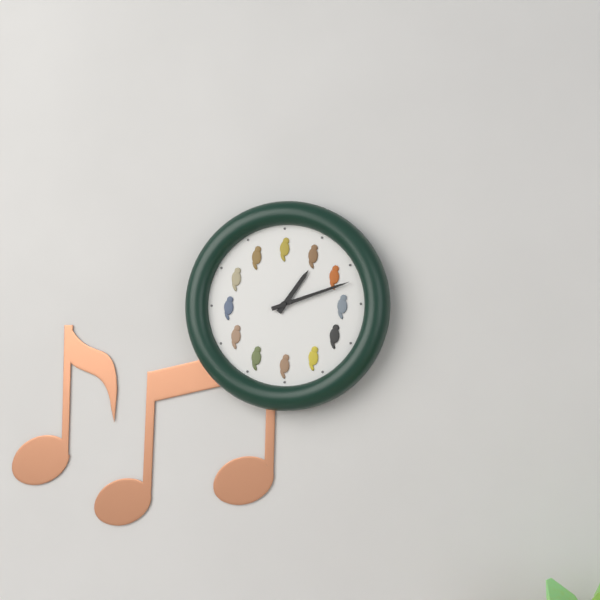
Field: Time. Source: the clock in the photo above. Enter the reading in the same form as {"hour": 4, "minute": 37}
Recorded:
{"hour": 1, "minute": 12}
